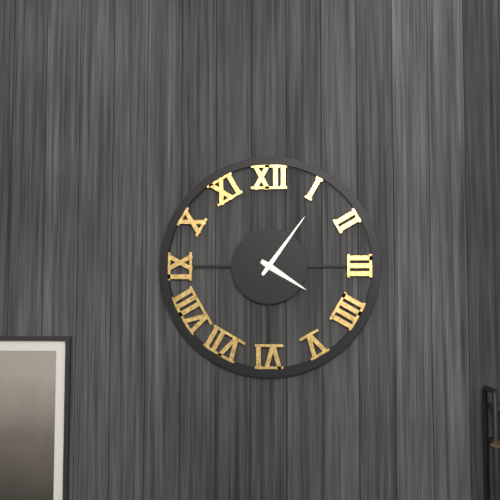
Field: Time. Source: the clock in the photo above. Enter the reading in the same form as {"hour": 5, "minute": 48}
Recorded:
{"hour": 4, "minute": 6}
